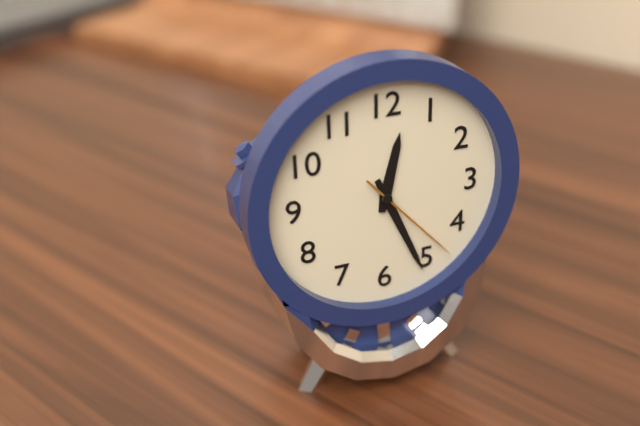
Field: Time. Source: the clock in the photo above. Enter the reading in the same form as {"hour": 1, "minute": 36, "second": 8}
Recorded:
{"hour": 12, "minute": 26, "second": 23}
